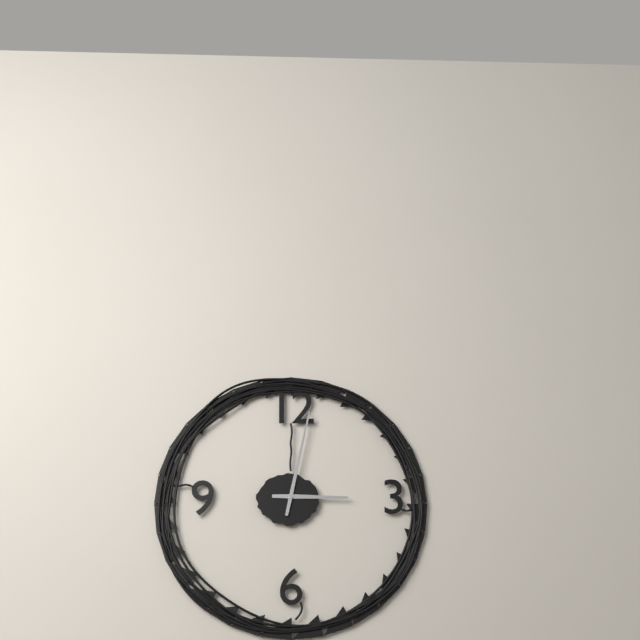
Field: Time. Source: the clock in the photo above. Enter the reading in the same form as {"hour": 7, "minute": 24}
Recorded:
{"hour": 3, "minute": 2}
